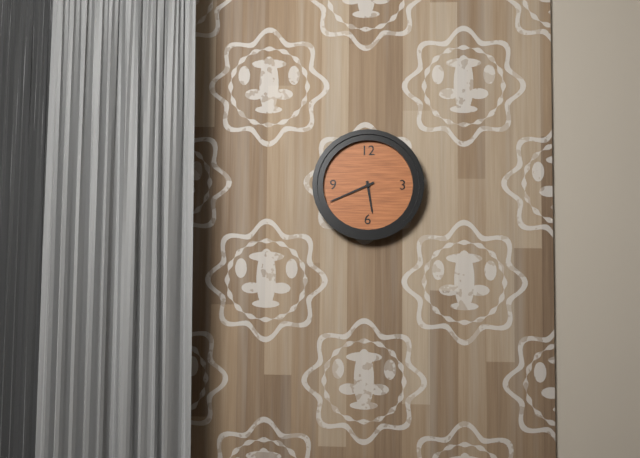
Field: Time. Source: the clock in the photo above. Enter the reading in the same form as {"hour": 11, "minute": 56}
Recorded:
{"hour": 5, "minute": 41}
